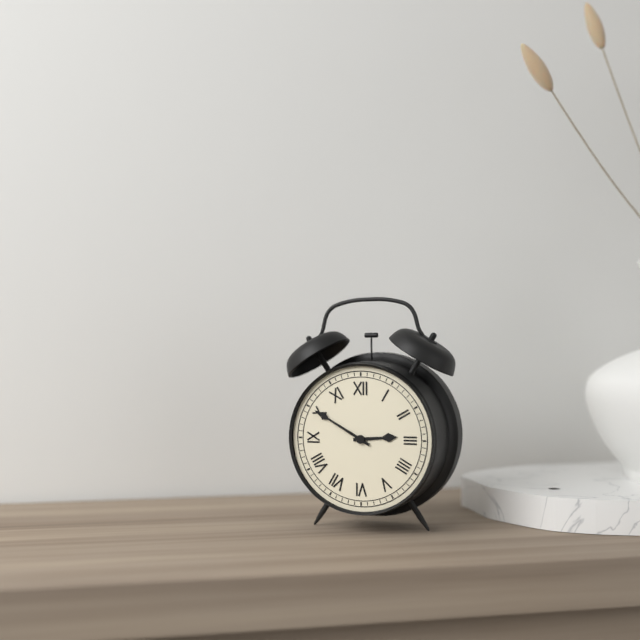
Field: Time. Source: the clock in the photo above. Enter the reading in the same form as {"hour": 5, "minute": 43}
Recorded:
{"hour": 2, "minute": 50}
